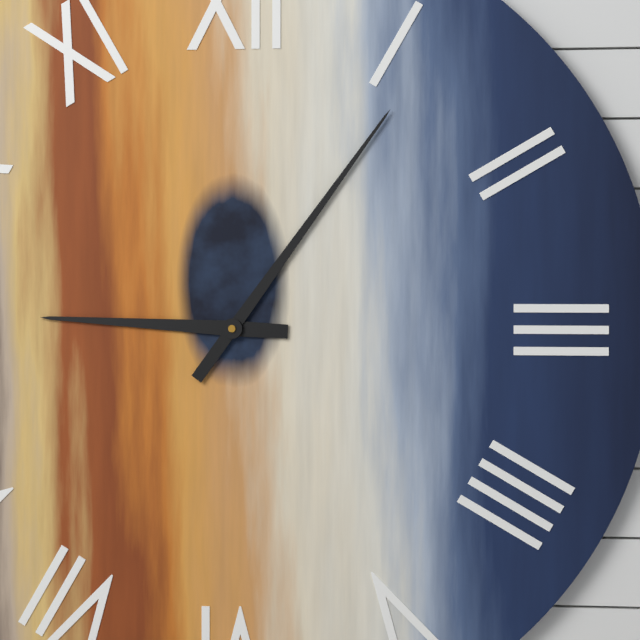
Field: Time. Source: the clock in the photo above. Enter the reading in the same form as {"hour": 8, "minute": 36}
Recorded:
{"hour": 9, "minute": 6}
